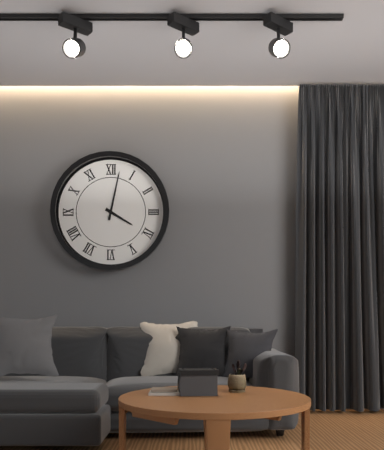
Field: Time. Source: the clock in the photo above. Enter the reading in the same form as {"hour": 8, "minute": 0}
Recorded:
{"hour": 4, "minute": 2}
